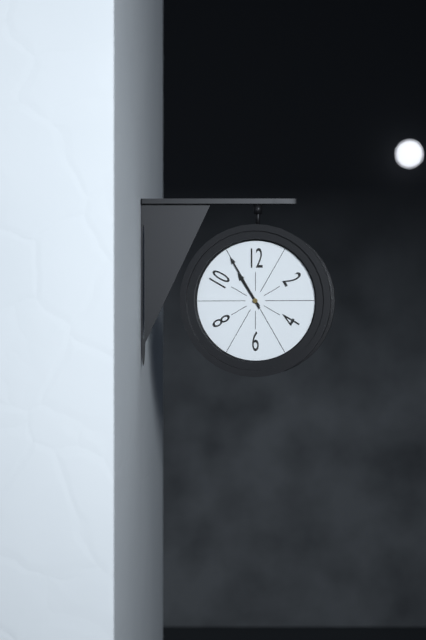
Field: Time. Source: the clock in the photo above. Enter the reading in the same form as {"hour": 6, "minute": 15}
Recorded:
{"hour": 10, "minute": 55}
